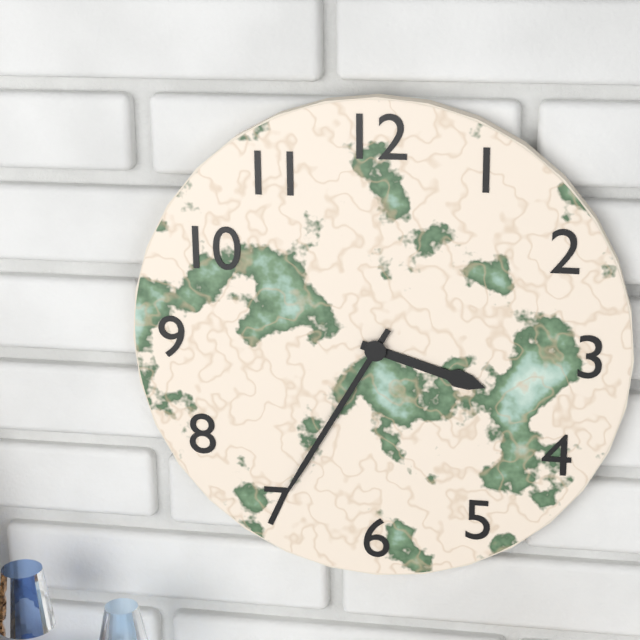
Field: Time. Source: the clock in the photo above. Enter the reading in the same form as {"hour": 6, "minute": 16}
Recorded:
{"hour": 3, "minute": 35}
